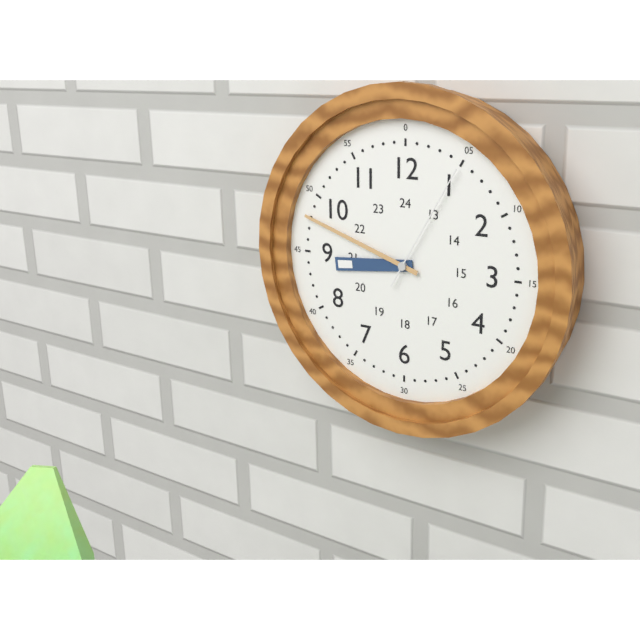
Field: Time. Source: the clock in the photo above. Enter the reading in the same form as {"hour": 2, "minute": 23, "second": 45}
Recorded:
{"hour": 8, "minute": 48, "second": 5}
